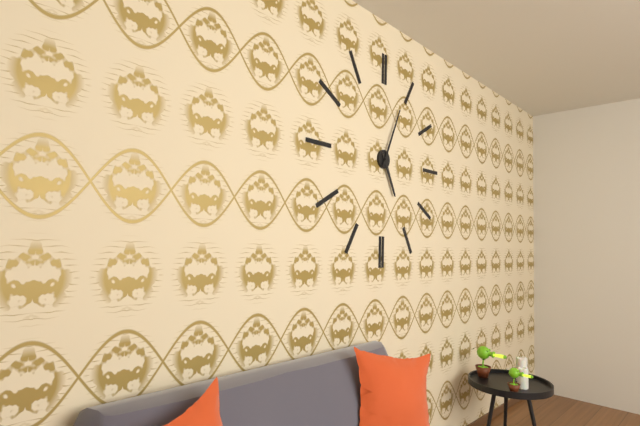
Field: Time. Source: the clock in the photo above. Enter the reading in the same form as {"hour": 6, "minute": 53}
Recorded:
{"hour": 5, "minute": 4}
